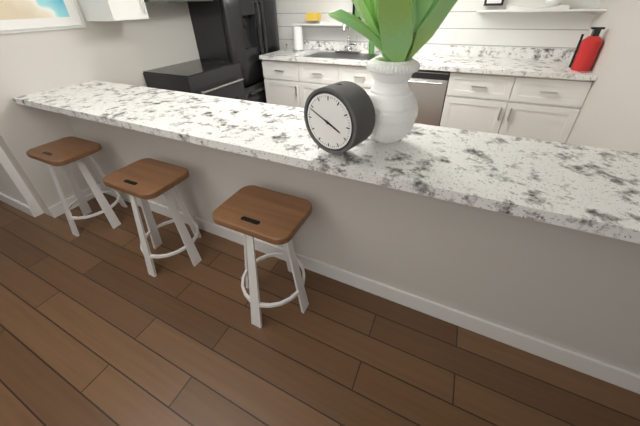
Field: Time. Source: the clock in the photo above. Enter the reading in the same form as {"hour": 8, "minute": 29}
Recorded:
{"hour": 3, "minute": 49}
